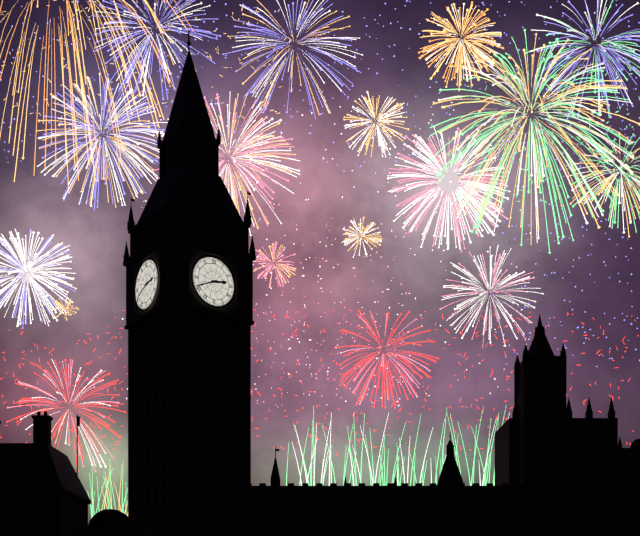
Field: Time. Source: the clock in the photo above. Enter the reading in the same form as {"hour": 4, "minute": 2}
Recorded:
{"hour": 2, "minute": 41}
